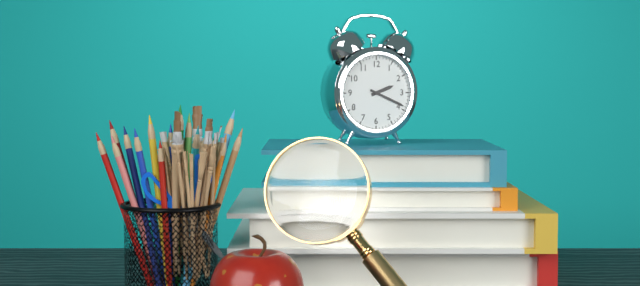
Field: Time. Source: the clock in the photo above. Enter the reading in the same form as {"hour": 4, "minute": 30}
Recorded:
{"hour": 2, "minute": 19}
